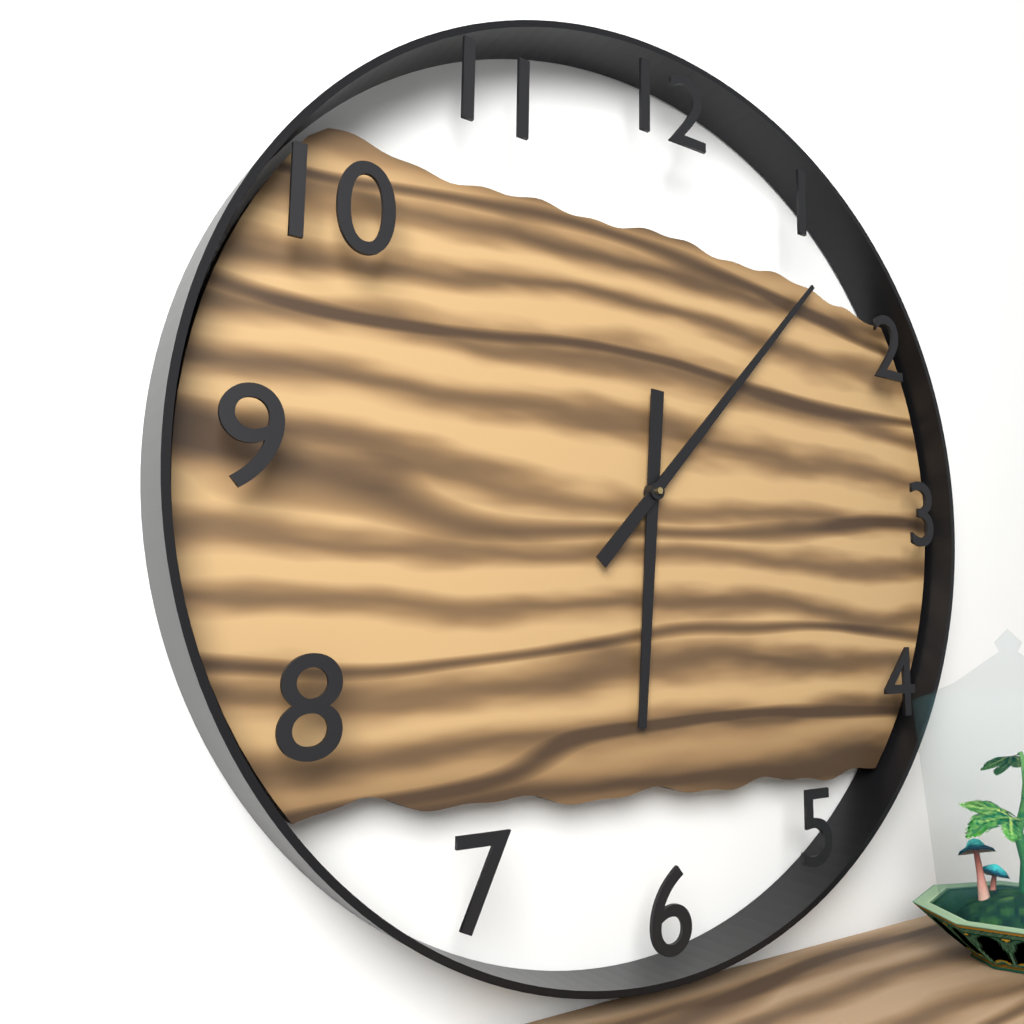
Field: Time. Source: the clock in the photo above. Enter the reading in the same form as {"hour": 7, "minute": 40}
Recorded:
{"hour": 6, "minute": 7}
